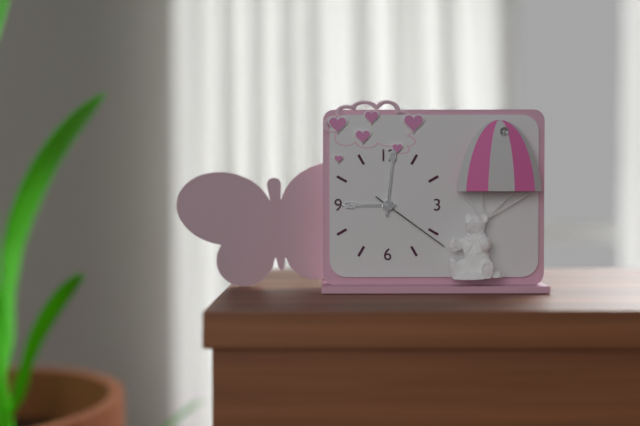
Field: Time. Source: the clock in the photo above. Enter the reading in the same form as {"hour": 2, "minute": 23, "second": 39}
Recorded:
{"hour": 9, "minute": 1, "second": 21}
